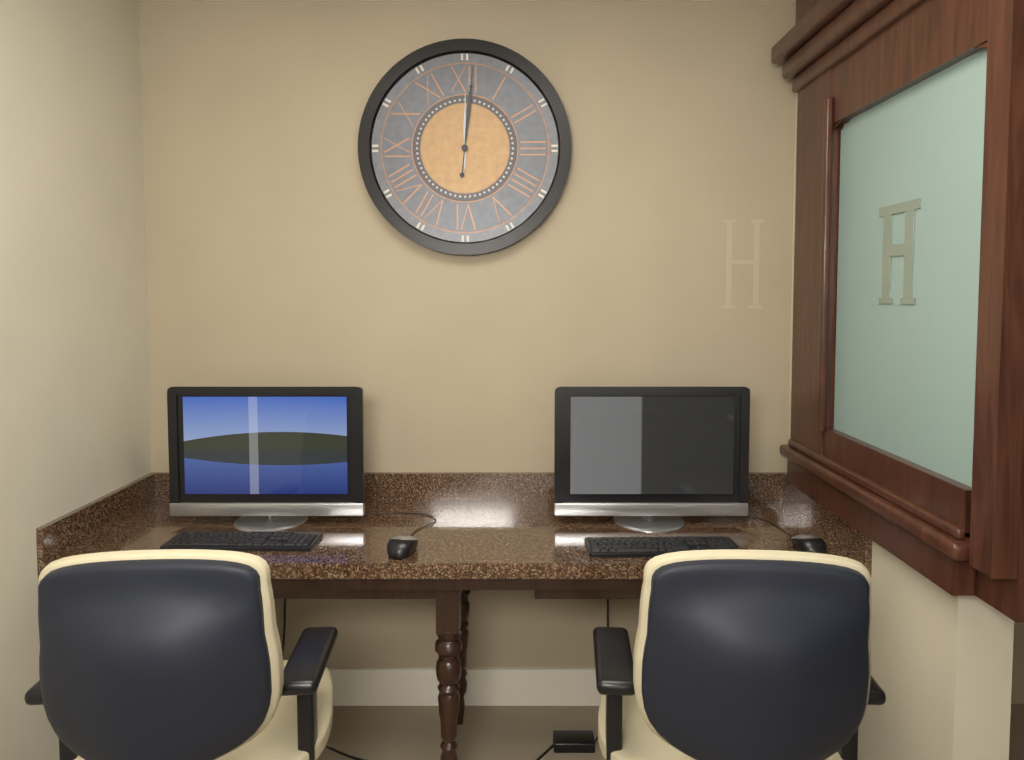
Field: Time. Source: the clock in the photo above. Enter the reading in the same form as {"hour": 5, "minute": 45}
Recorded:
{"hour": 12, "minute": 1}
